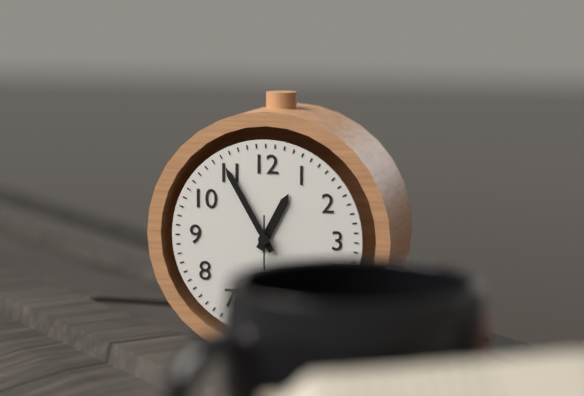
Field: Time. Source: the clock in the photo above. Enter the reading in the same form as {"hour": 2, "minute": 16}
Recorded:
{"hour": 12, "minute": 55}
